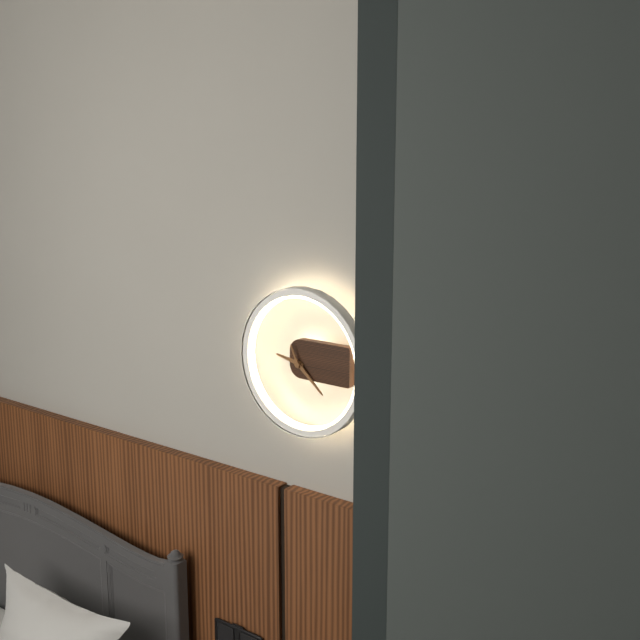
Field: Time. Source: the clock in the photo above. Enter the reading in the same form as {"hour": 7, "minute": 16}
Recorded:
{"hour": 9, "minute": 22}
